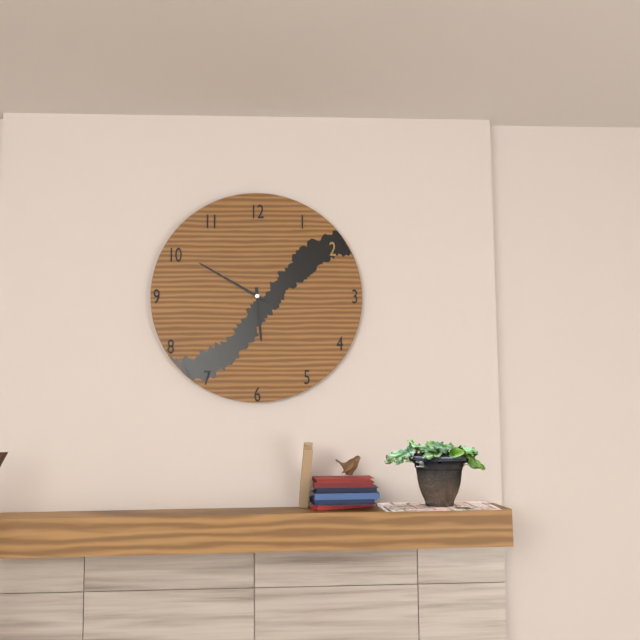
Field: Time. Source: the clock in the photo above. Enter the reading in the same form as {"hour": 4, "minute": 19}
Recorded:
{"hour": 5, "minute": 50}
